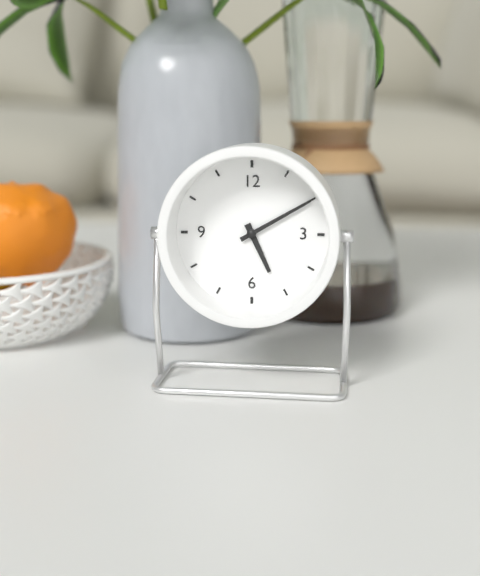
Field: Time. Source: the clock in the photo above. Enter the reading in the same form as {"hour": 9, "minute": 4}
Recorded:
{"hour": 5, "minute": 10}
